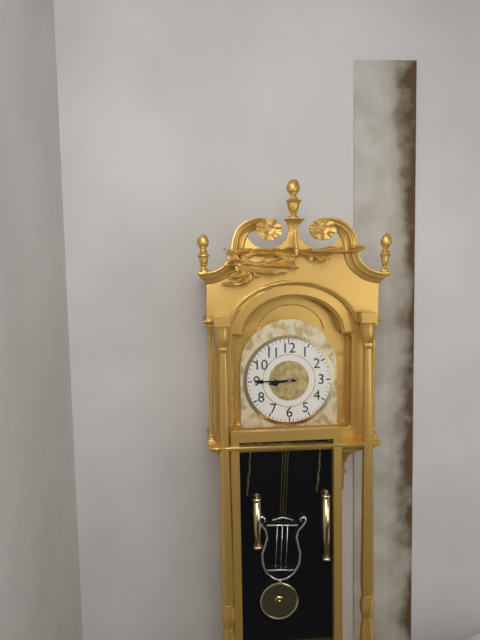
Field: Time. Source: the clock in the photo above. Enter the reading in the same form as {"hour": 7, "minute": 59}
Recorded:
{"hour": 8, "minute": 45}
